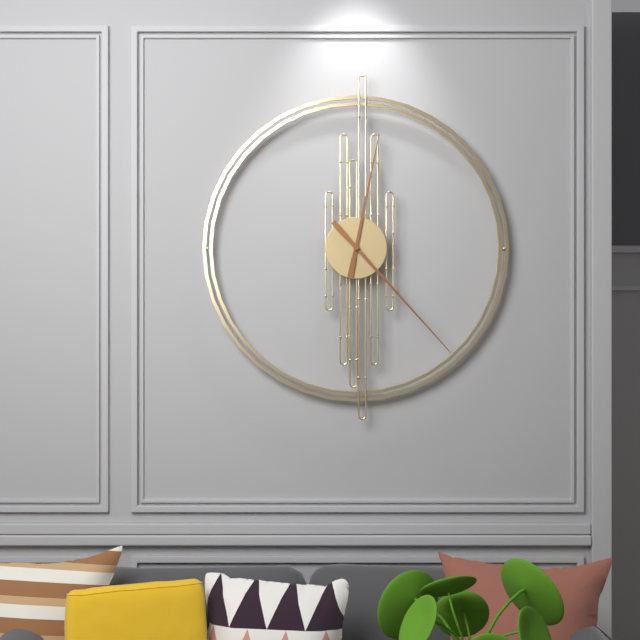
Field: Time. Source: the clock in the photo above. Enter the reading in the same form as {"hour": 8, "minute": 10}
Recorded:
{"hour": 12, "minute": 23}
